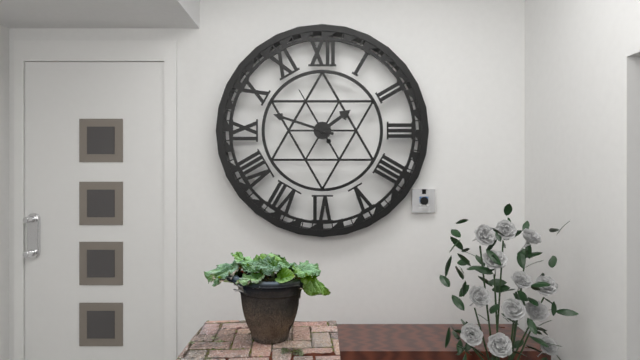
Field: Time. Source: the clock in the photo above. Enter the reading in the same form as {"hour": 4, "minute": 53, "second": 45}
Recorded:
{"hour": 1, "minute": 48, "second": 55}
